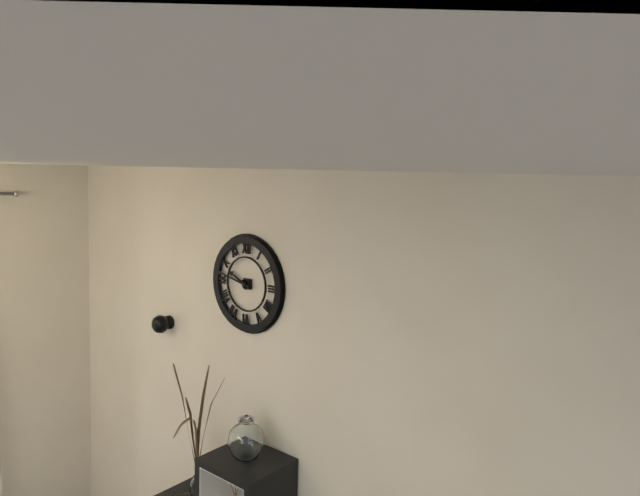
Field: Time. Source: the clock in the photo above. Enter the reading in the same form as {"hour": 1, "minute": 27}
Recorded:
{"hour": 9, "minute": 47}
